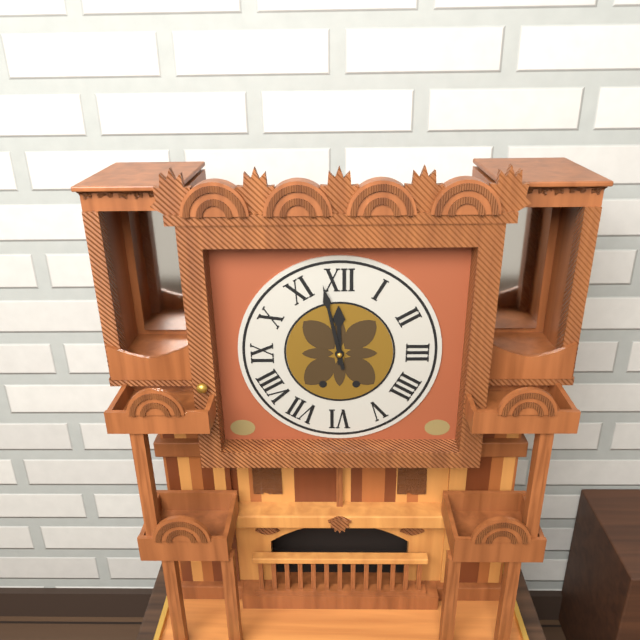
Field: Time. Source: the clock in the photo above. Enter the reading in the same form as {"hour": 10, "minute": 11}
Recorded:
{"hour": 11, "minute": 58}
